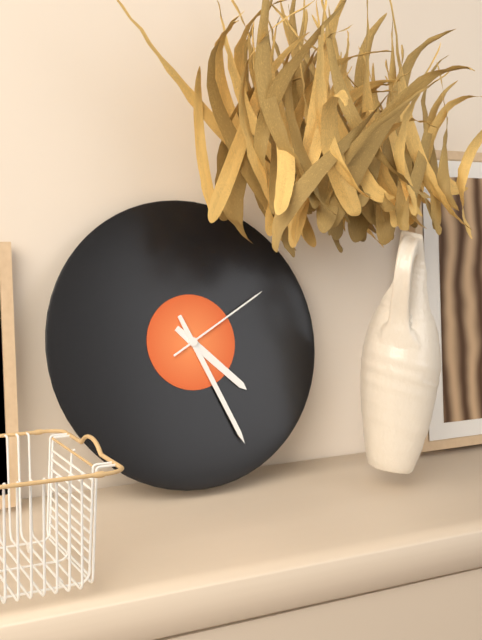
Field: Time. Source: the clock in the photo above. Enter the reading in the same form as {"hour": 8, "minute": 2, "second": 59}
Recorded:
{"hour": 4, "minute": 26, "second": 10}
